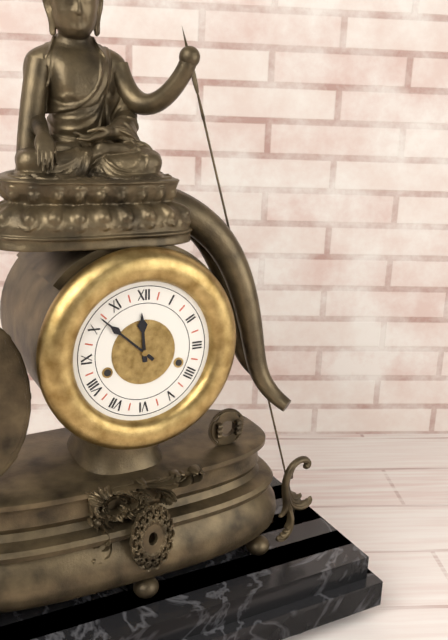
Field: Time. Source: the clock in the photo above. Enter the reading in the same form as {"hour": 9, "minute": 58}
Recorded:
{"hour": 11, "minute": 52}
